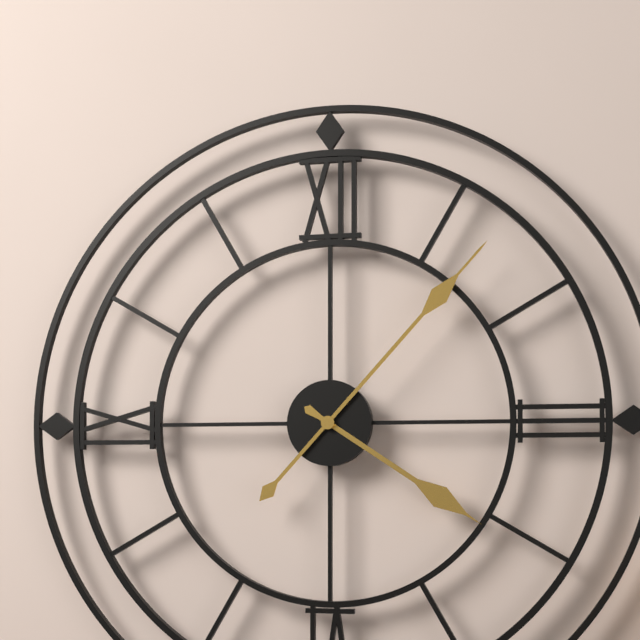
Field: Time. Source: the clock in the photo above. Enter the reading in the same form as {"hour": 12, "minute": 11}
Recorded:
{"hour": 4, "minute": 7}
